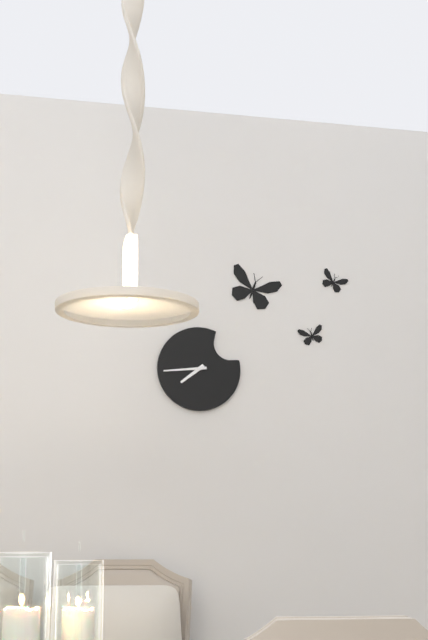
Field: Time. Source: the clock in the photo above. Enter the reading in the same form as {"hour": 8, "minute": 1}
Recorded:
{"hour": 7, "minute": 44}
